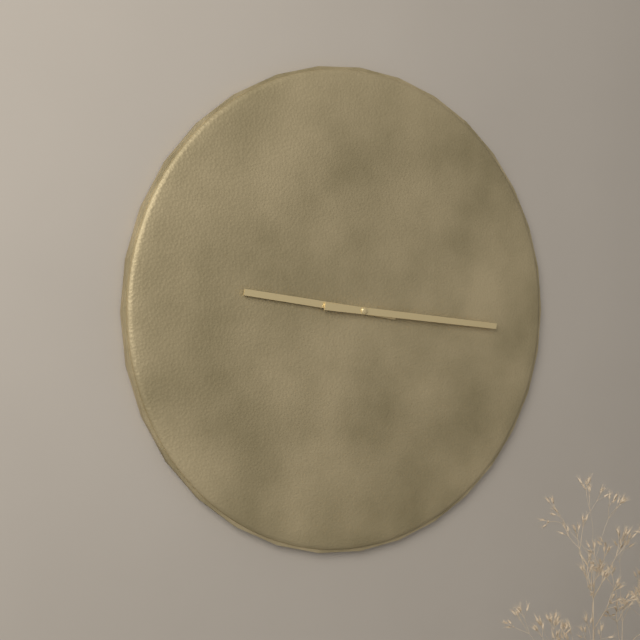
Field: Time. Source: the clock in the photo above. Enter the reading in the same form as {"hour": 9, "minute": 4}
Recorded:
{"hour": 9, "minute": 16}
